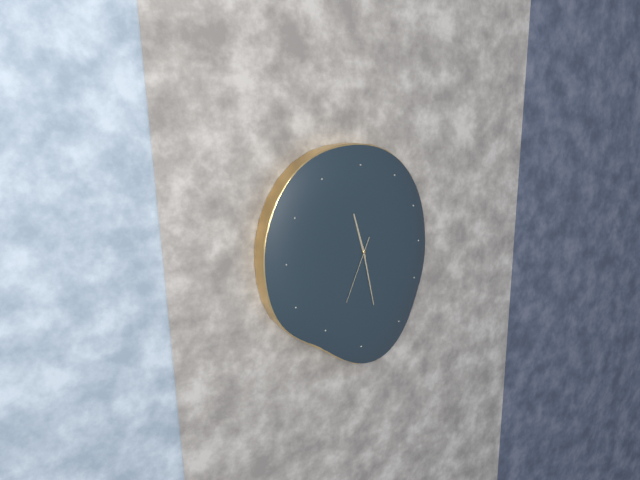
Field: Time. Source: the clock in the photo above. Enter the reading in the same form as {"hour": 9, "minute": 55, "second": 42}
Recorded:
{"hour": 11, "minute": 28, "second": 34}
